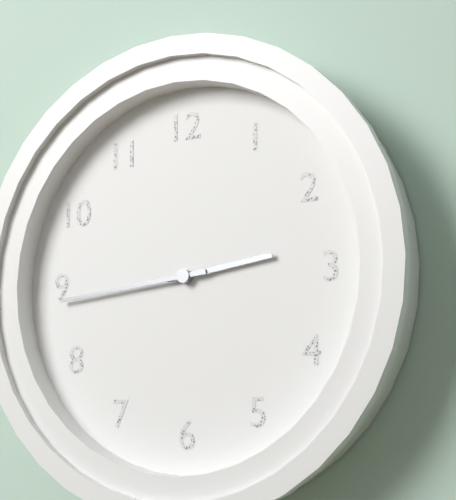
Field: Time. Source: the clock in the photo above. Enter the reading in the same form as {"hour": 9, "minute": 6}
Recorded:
{"hour": 2, "minute": 44}
